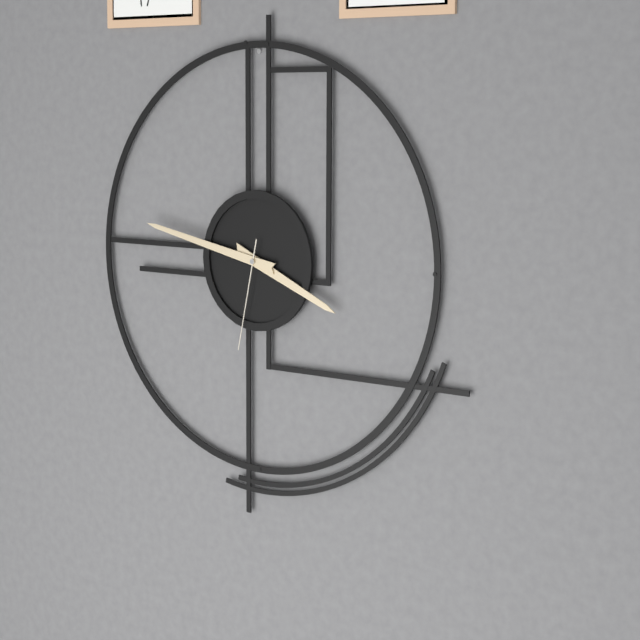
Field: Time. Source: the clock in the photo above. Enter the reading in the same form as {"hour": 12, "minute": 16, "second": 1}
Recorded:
{"hour": 3, "minute": 47, "second": 32}
